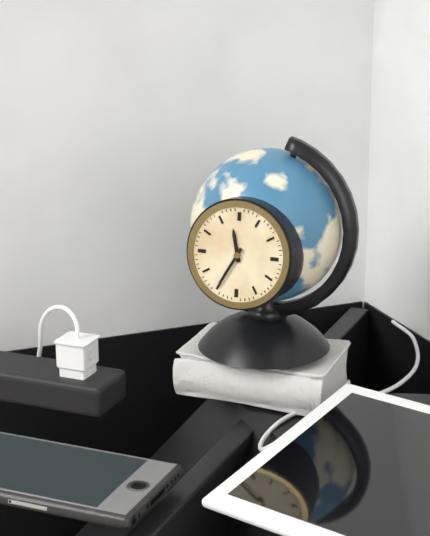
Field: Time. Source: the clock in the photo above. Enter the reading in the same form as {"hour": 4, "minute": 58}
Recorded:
{"hour": 11, "minute": 35}
